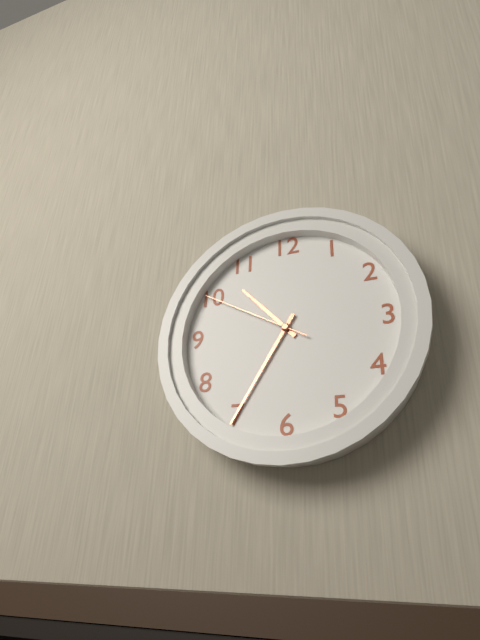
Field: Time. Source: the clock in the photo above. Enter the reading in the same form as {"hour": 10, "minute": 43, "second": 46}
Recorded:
{"hour": 10, "minute": 35, "second": 50}
